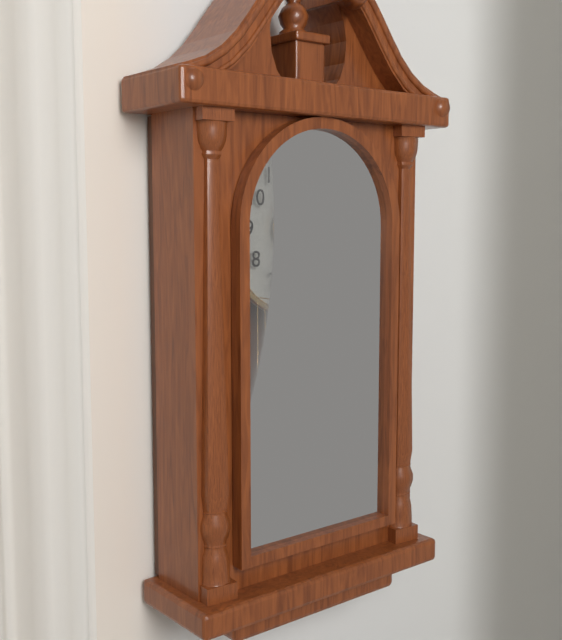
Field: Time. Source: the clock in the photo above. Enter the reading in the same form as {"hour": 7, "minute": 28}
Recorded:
{"hour": 5, "minute": 4}
